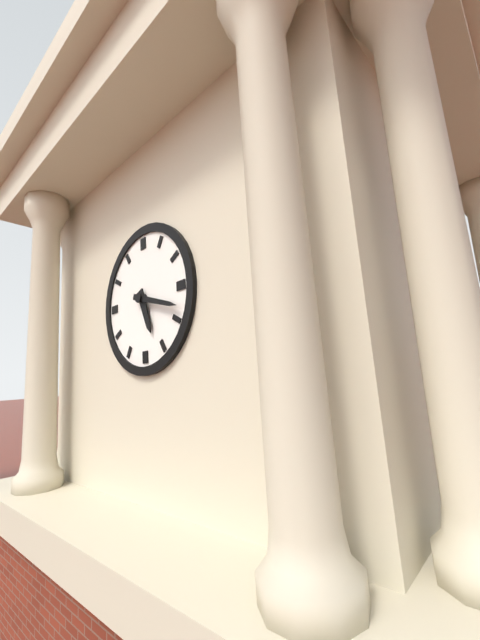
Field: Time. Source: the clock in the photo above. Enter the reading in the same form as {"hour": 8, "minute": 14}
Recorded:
{"hour": 5, "minute": 18}
